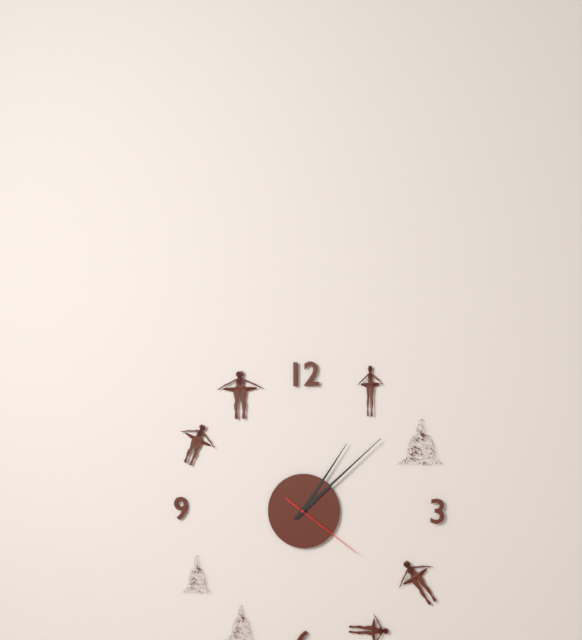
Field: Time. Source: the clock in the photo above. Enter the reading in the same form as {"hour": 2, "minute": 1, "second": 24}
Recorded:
{"hour": 1, "minute": 8, "second": 21}
